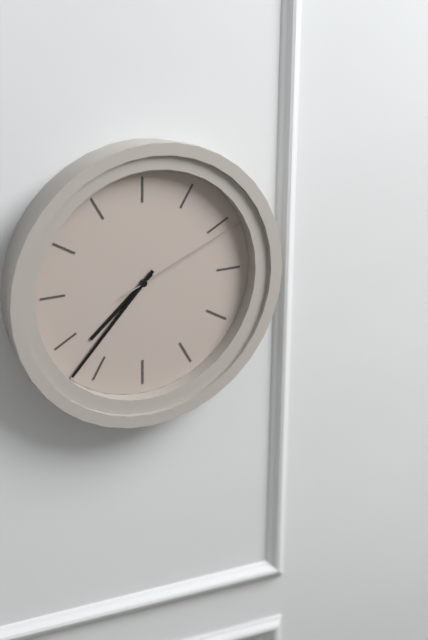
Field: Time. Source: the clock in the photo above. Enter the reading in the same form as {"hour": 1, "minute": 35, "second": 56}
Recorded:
{"hour": 7, "minute": 37, "second": 11}
